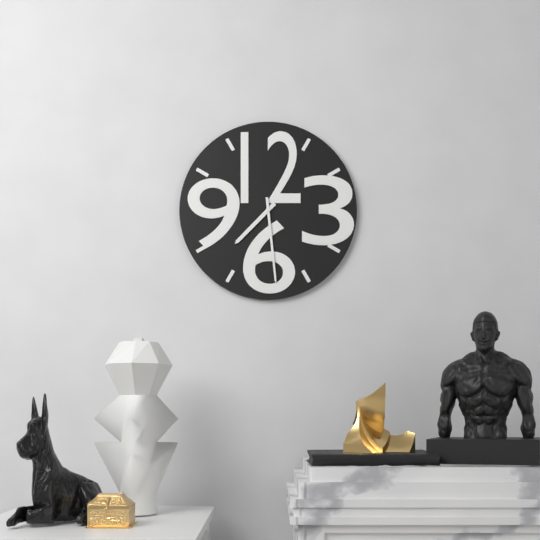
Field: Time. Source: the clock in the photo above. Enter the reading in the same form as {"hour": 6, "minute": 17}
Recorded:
{"hour": 7, "minute": 29}
